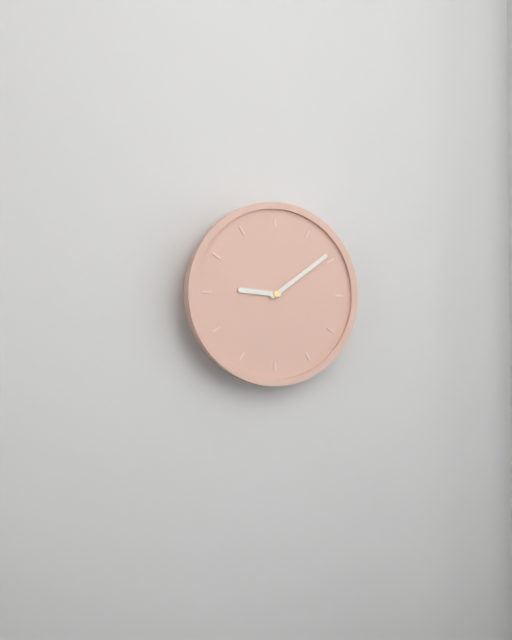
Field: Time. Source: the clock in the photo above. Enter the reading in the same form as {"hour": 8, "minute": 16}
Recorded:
{"hour": 9, "minute": 9}
